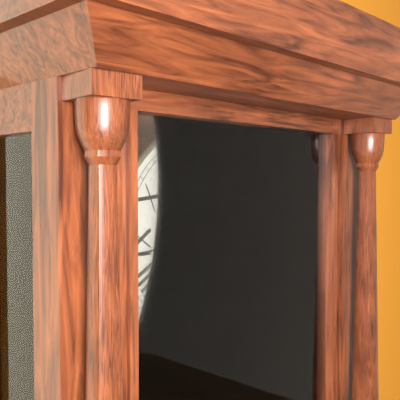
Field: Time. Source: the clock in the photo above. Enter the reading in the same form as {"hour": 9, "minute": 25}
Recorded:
{"hour": 10, "minute": 44}
